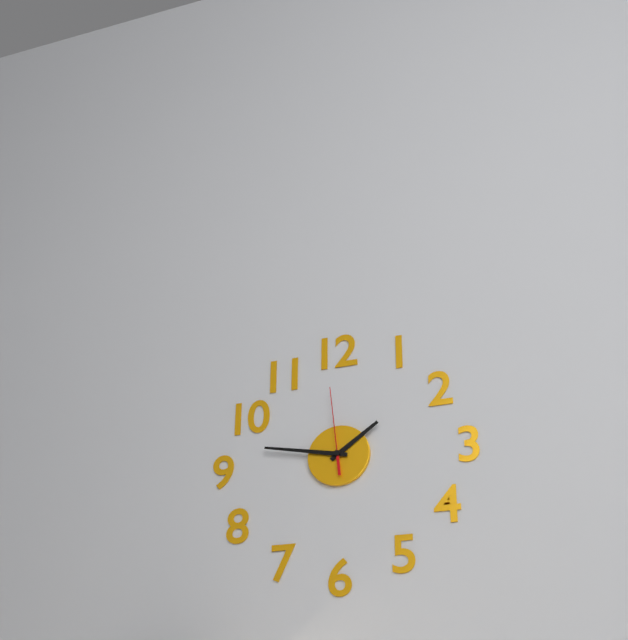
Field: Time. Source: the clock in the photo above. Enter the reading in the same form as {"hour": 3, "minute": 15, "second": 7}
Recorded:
{"hour": 1, "minute": 47, "second": 59}
